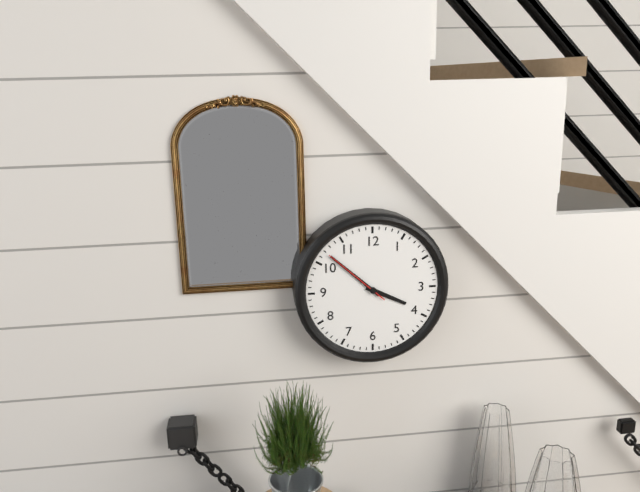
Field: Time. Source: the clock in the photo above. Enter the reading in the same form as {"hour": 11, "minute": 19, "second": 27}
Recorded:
{"hour": 3, "minute": 52, "second": 52}
